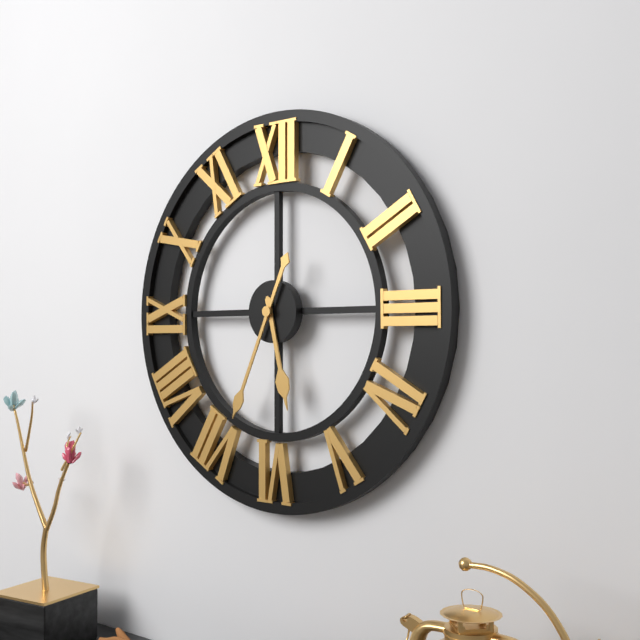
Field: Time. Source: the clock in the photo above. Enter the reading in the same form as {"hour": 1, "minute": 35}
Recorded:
{"hour": 5, "minute": 34}
